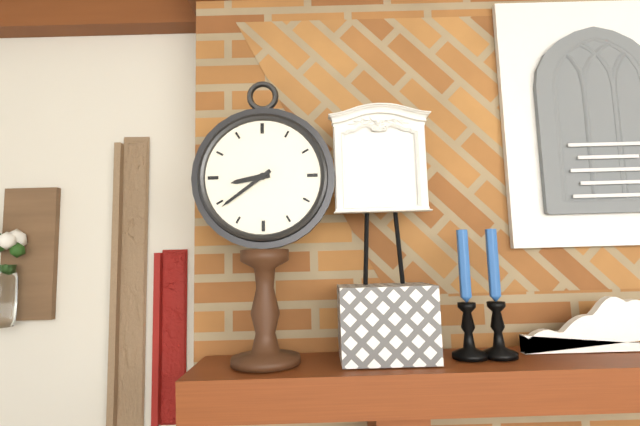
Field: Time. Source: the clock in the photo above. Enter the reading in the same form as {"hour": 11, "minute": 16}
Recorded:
{"hour": 8, "minute": 39}
